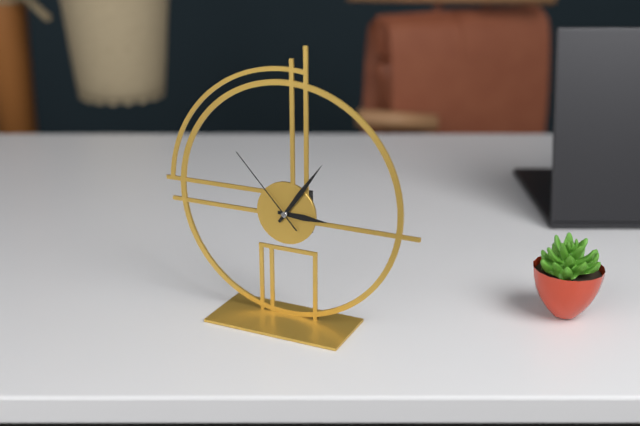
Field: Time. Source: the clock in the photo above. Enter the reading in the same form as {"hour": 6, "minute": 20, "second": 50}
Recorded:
{"hour": 3, "minute": 6, "second": 53}
